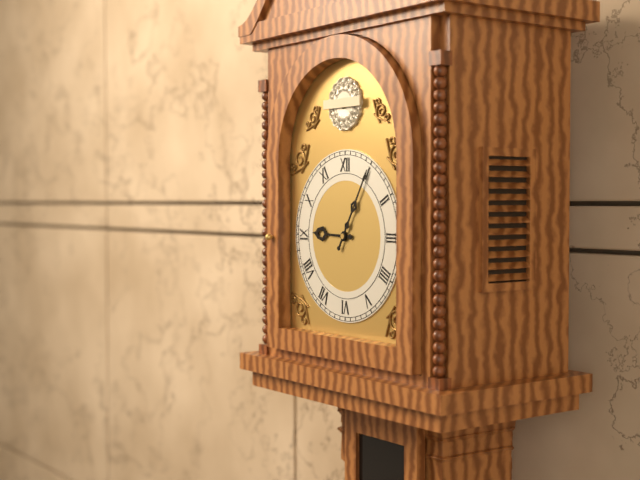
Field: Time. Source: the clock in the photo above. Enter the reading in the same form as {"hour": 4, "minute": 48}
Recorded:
{"hour": 9, "minute": 5}
